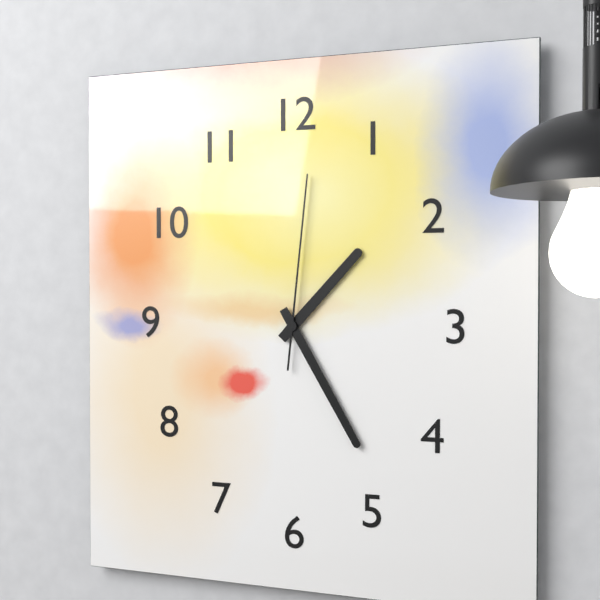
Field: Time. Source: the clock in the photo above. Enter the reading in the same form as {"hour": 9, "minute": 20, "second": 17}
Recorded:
{"hour": 1, "minute": 25, "second": 1}
